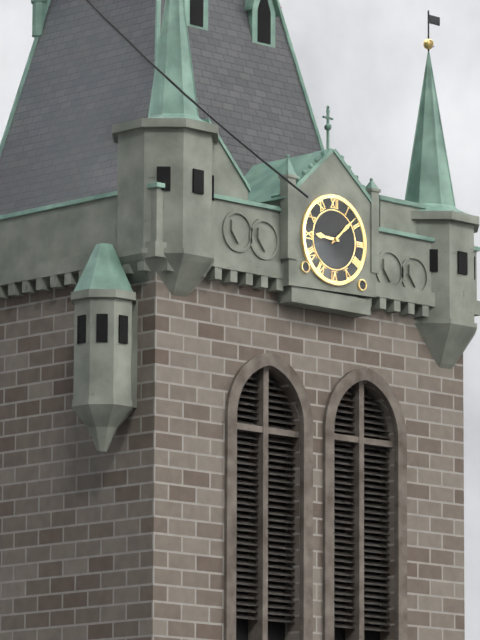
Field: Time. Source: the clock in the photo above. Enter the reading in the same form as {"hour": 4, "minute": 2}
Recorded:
{"hour": 9, "minute": 8}
